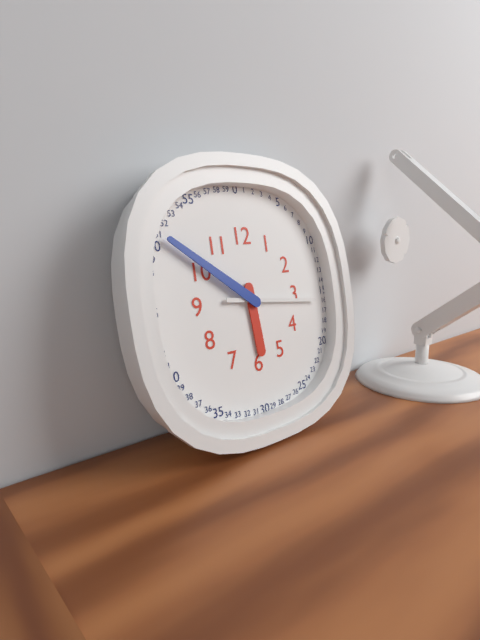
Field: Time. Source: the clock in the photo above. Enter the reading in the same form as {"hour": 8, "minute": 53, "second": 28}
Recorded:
{"hour": 5, "minute": 51, "second": 16}
